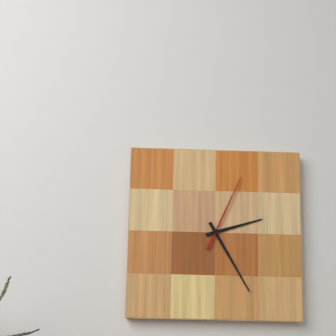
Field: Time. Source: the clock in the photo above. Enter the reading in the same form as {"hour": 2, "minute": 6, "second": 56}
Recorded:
{"hour": 2, "minute": 25, "second": 4}
